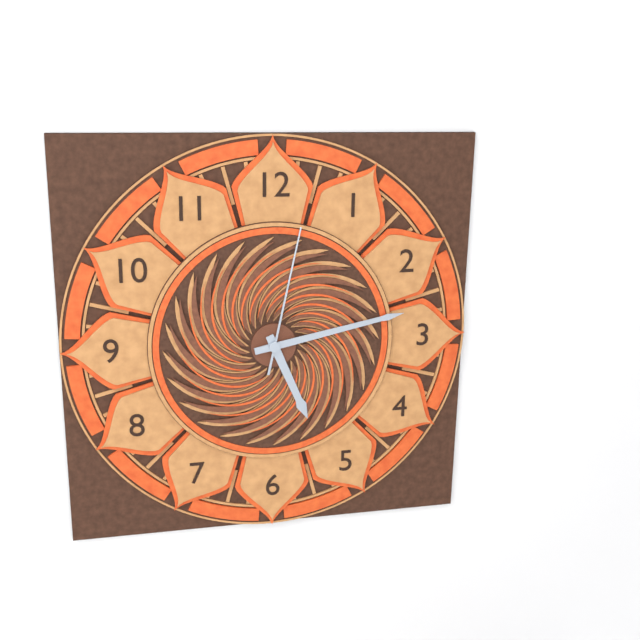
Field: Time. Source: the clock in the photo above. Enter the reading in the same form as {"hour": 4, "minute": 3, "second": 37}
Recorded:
{"hour": 5, "minute": 13, "second": 2}
